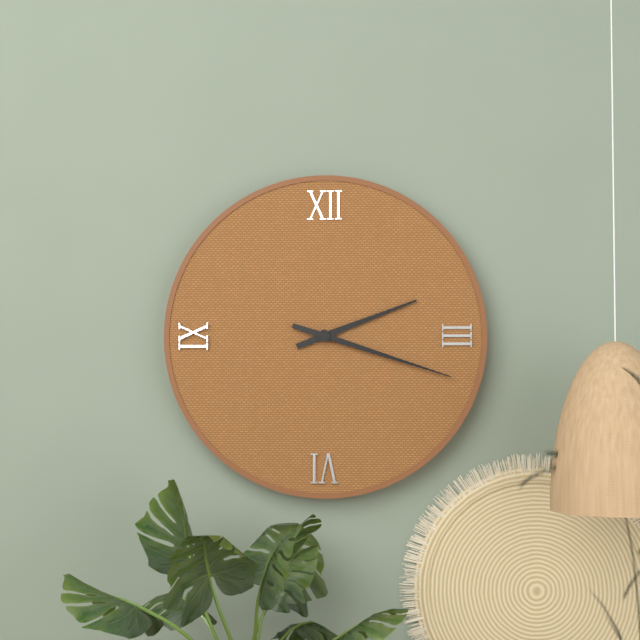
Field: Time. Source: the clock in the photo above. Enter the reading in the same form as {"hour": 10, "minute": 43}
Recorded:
{"hour": 2, "minute": 18}
